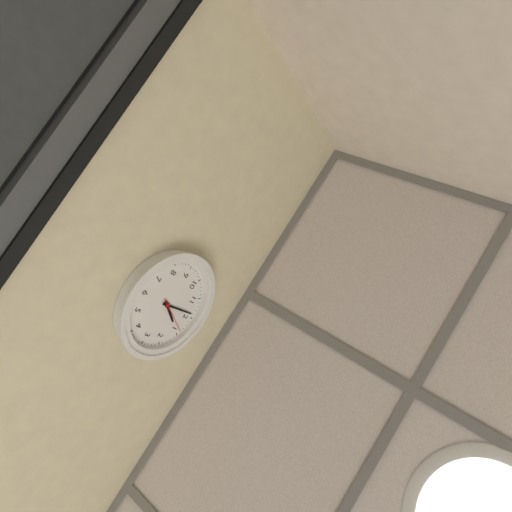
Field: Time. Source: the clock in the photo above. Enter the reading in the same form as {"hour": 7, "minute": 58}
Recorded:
{"hour": 12, "minute": 59}
